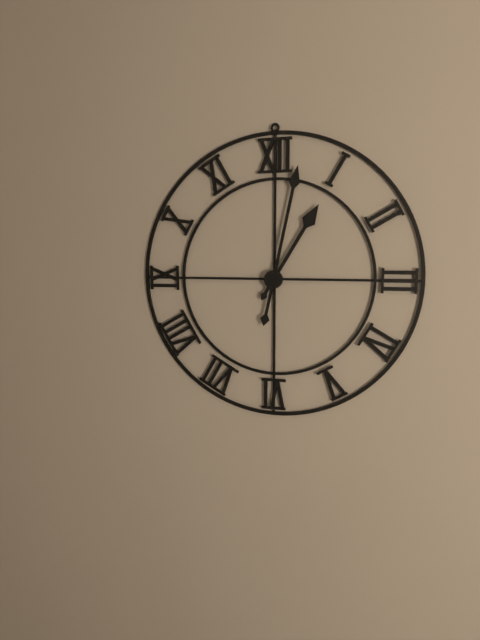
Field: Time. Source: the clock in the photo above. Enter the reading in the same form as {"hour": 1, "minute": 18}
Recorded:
{"hour": 1, "minute": 2}
